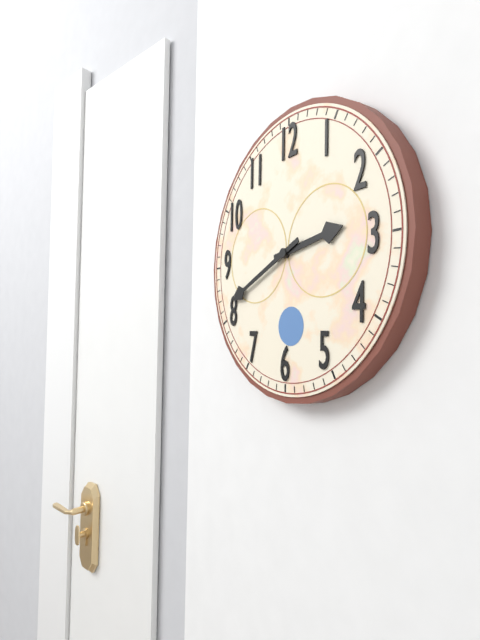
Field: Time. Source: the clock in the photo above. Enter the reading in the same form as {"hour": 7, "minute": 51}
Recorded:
{"hour": 2, "minute": 41}
